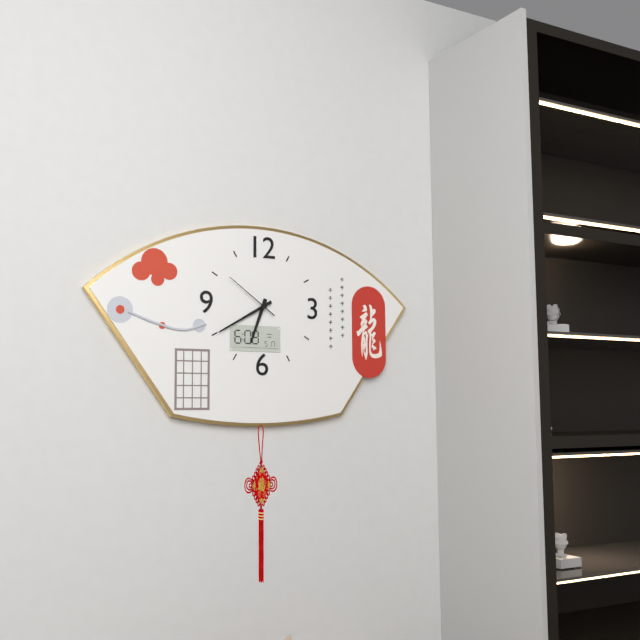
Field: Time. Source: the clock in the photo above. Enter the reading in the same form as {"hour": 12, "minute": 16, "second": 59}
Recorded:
{"hour": 6, "minute": 40, "second": 51}
